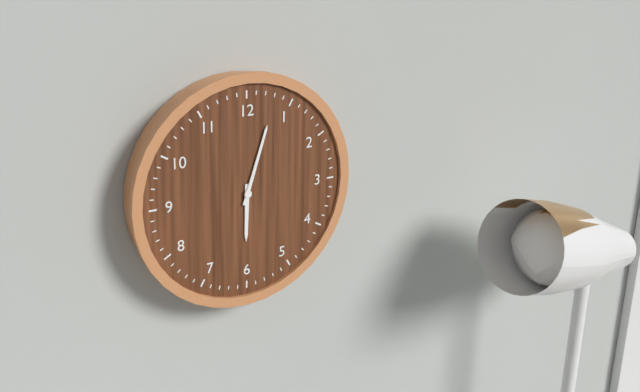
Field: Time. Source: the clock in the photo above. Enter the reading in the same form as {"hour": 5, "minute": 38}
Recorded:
{"hour": 6, "minute": 3}
